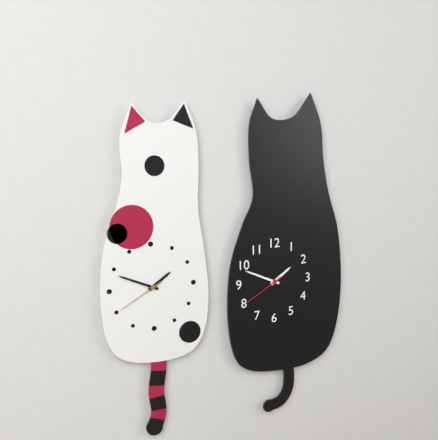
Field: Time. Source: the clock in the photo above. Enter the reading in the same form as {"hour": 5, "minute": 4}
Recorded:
{"hour": 1, "minute": 49}
